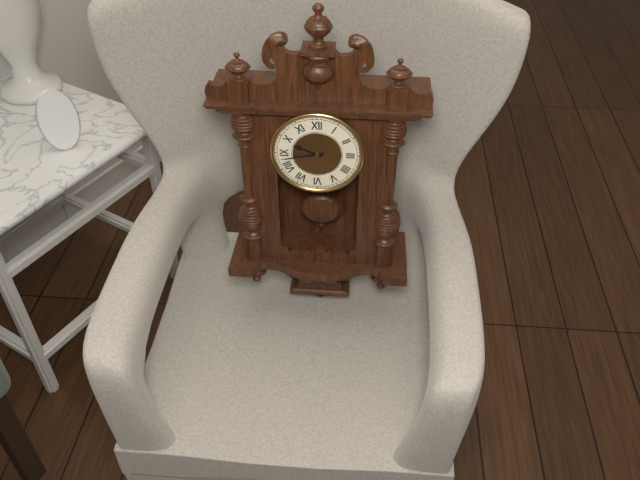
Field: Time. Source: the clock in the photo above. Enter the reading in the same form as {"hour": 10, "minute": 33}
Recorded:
{"hour": 9, "minute": 43}
